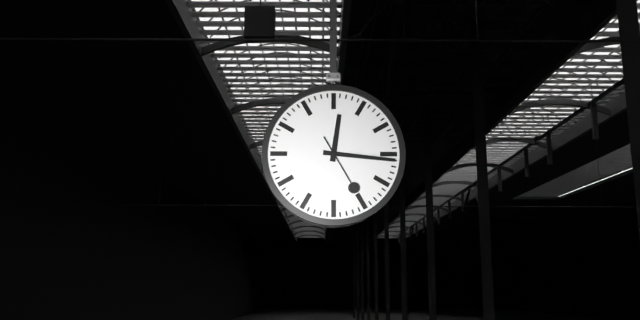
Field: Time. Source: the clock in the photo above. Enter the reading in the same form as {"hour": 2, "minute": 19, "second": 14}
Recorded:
{"hour": 12, "minute": 16, "second": 25}
